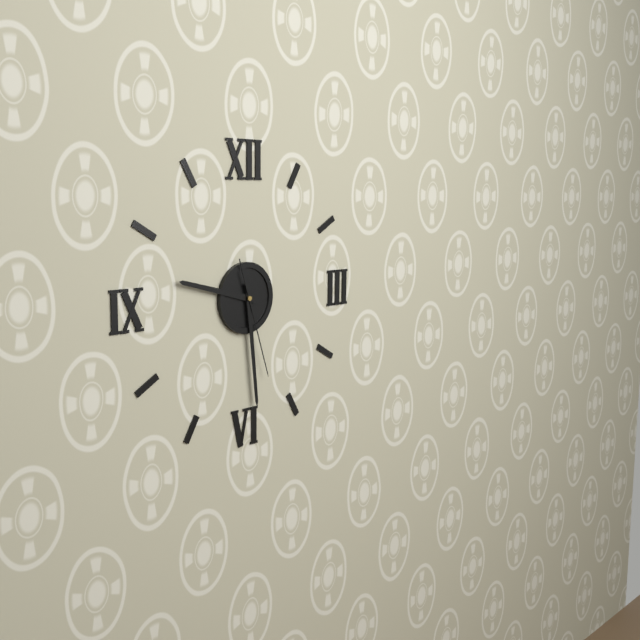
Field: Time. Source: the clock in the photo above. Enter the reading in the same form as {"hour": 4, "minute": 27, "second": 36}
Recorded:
{"hour": 9, "minute": 29, "second": 27}
